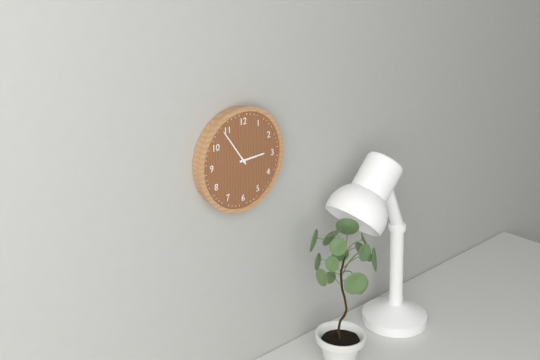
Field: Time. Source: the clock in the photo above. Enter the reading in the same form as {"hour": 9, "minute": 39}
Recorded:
{"hour": 2, "minute": 54}
